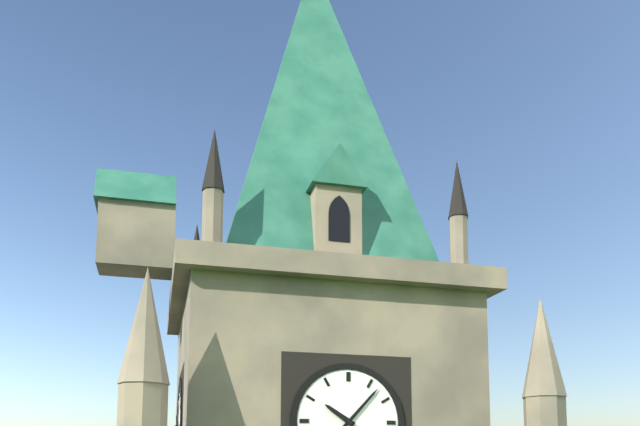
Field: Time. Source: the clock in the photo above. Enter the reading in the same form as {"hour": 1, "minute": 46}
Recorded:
{"hour": 10, "minute": 7}
